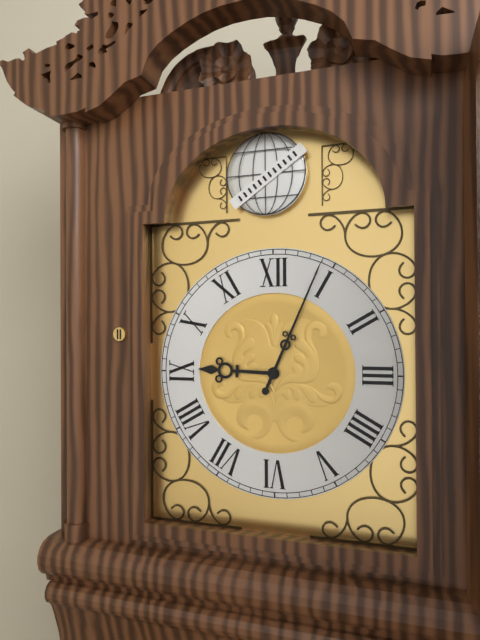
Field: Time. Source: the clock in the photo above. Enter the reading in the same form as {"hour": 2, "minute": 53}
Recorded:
{"hour": 9, "minute": 4}
